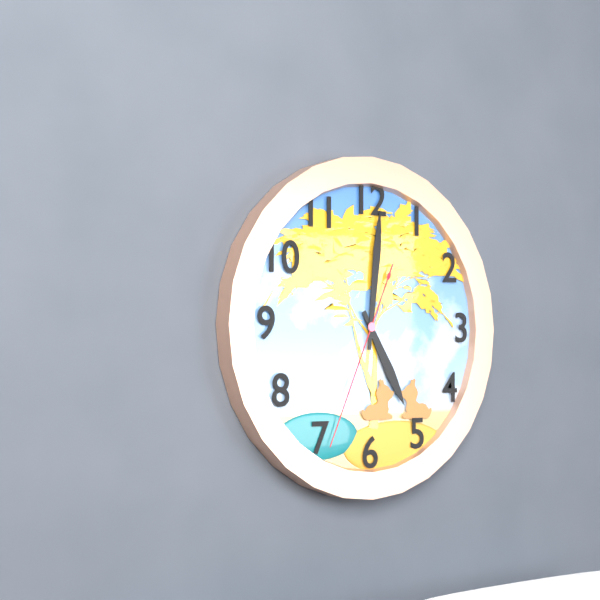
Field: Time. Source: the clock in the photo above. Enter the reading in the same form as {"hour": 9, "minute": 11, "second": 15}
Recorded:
{"hour": 5, "minute": 1, "second": 34}
